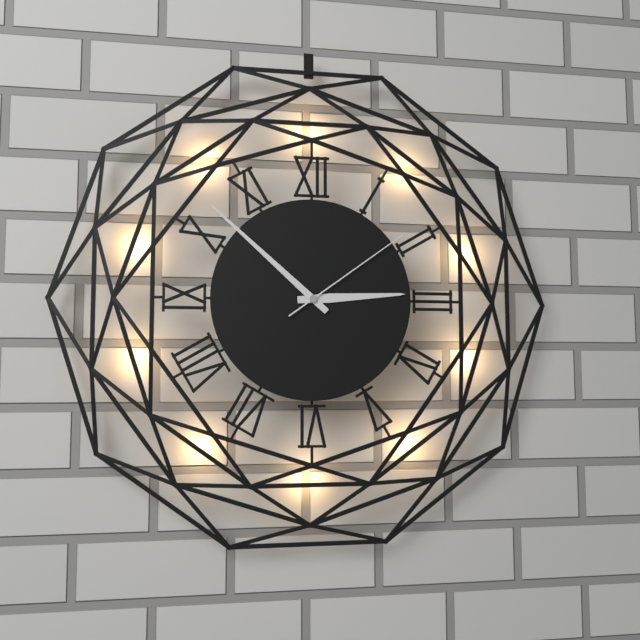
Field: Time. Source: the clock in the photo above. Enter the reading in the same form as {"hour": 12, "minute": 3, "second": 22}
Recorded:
{"hour": 2, "minute": 52, "second": 9}
